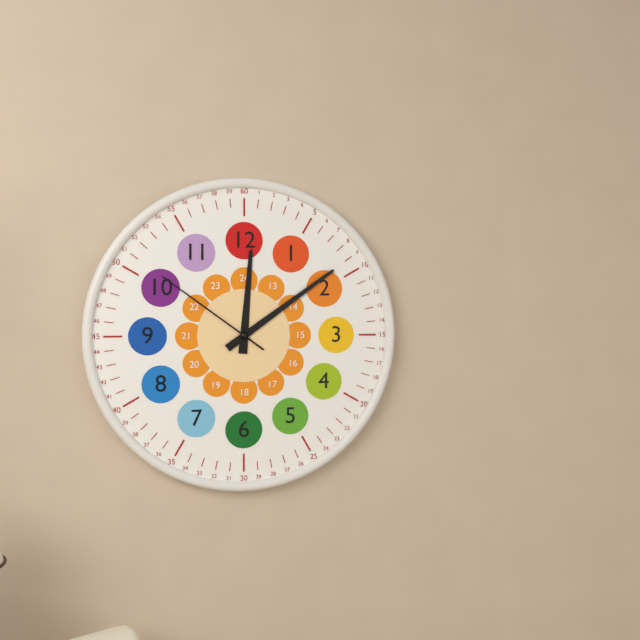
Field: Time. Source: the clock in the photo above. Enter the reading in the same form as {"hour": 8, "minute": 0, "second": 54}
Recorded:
{"hour": 12, "minute": 9, "second": 51}
